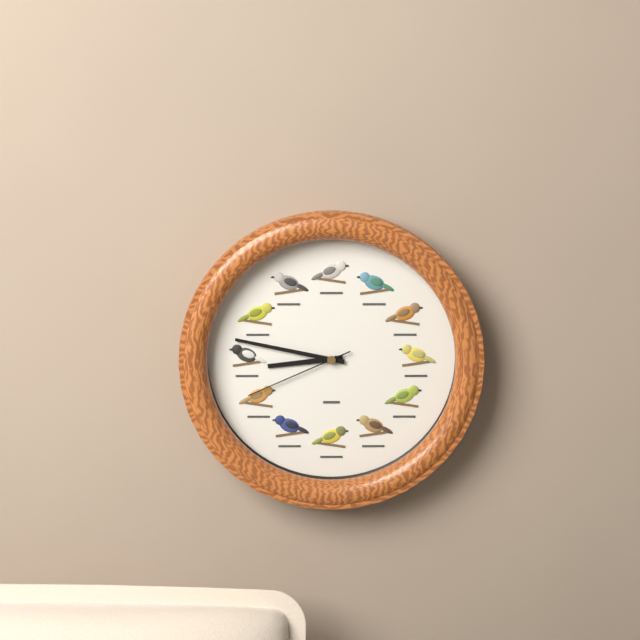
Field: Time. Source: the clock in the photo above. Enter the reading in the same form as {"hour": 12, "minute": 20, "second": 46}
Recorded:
{"hour": 8, "minute": 47, "second": 41}
